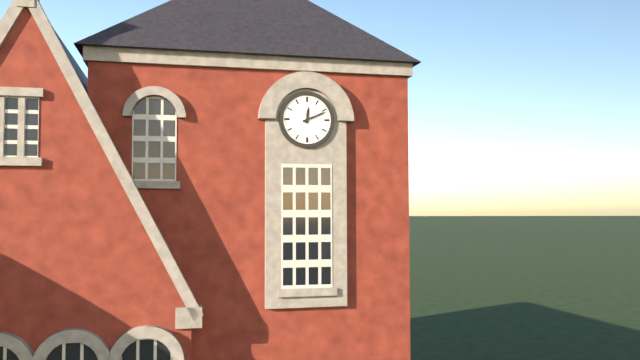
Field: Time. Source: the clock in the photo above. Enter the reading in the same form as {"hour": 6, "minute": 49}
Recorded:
{"hour": 12, "minute": 11}
